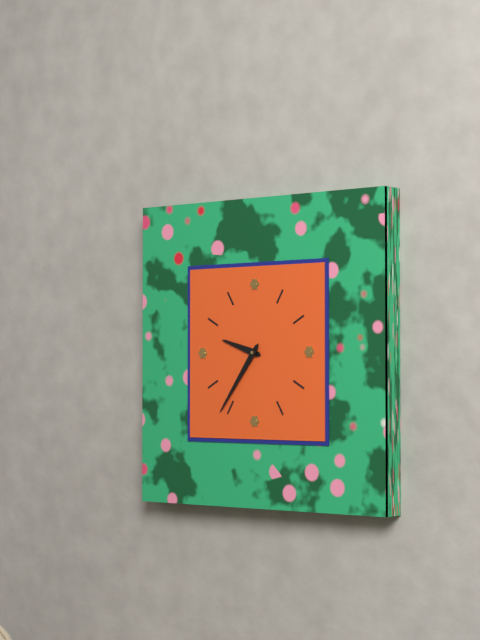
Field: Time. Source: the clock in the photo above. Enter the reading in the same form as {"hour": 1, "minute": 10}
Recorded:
{"hour": 9, "minute": 36}
